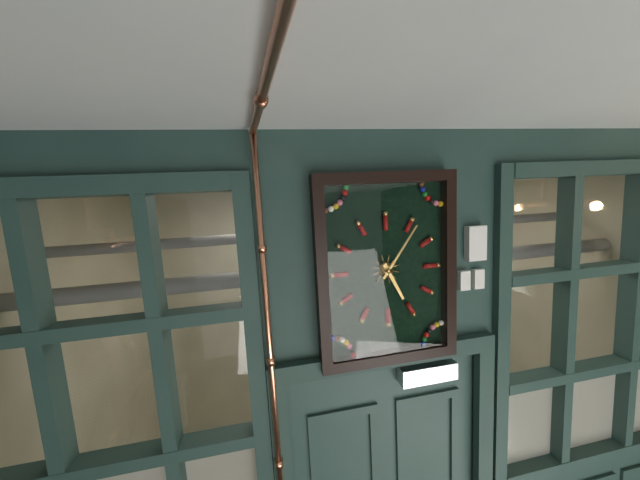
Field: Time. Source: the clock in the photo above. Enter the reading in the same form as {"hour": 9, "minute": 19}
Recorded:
{"hour": 5, "minute": 6}
